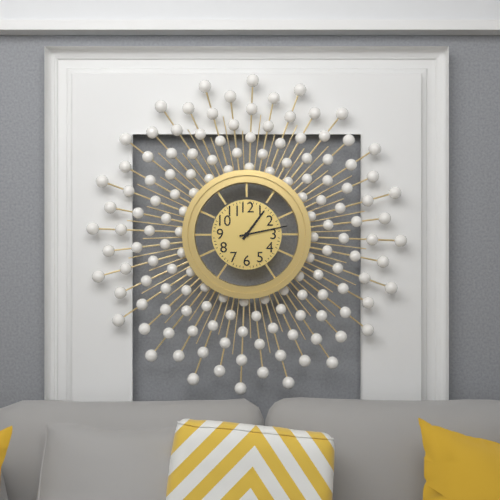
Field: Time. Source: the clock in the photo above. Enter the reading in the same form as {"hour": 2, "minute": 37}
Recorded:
{"hour": 1, "minute": 13}
